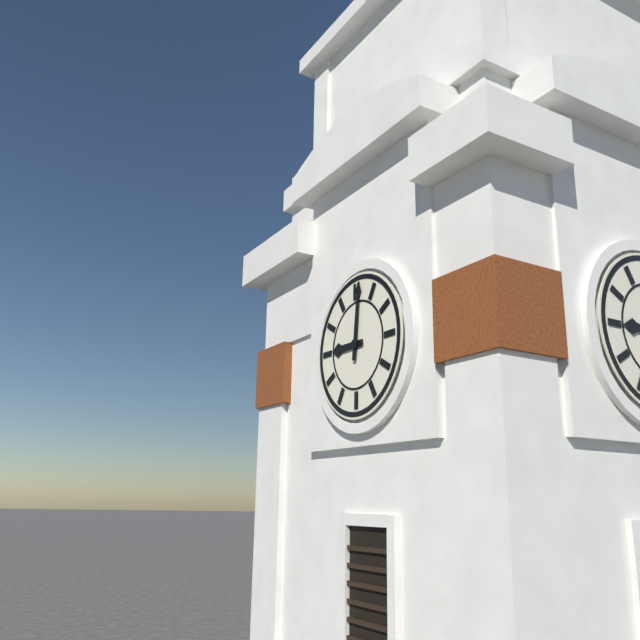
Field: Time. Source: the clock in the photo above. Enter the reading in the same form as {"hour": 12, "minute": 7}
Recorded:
{"hour": 9, "minute": 1}
